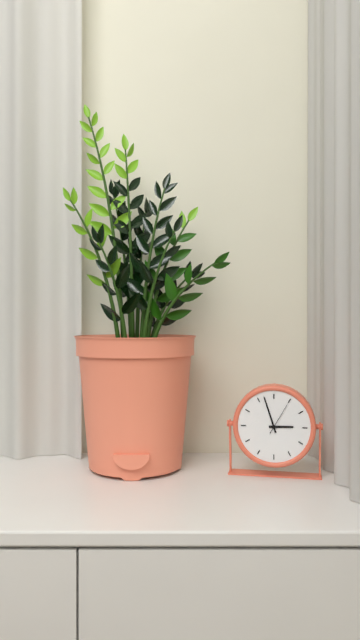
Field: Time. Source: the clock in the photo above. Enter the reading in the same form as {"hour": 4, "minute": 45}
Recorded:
{"hour": 2, "minute": 57}
